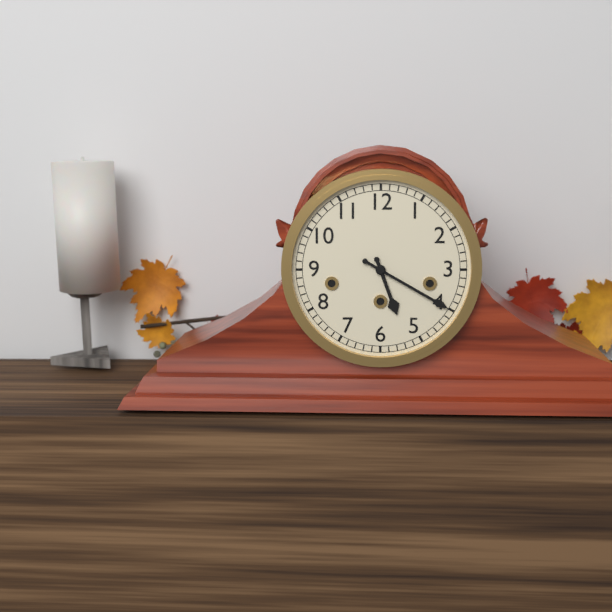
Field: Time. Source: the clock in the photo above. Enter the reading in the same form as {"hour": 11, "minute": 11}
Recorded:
{"hour": 5, "minute": 20}
